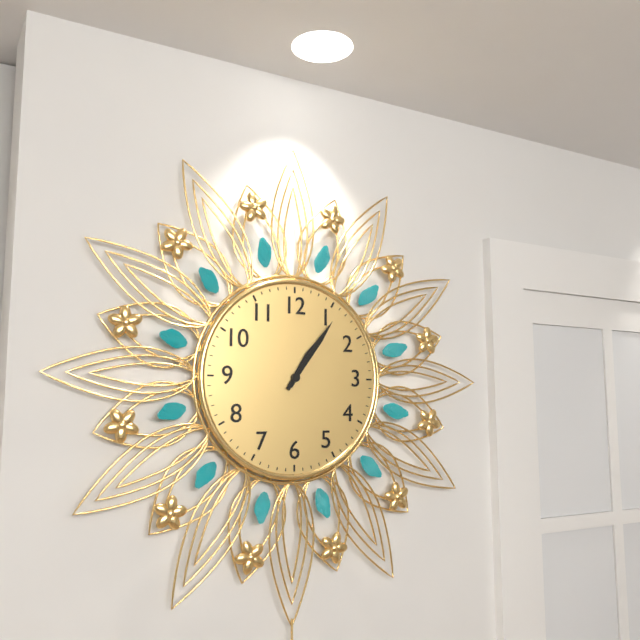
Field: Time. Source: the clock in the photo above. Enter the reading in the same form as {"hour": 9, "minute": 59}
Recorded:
{"hour": 1, "minute": 6}
